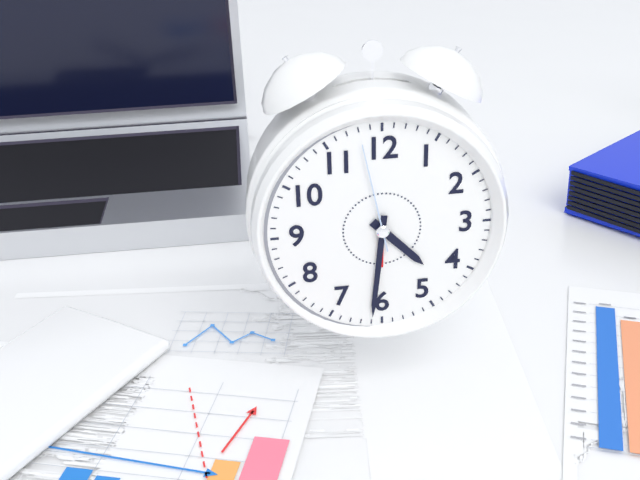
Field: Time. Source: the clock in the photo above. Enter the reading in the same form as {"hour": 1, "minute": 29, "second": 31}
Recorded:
{"hour": 4, "minute": 31, "second": 58}
